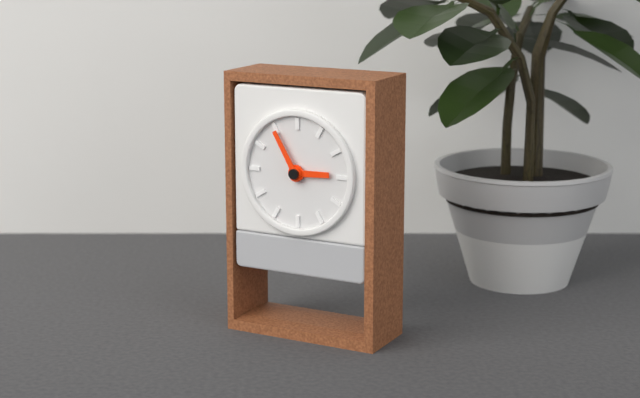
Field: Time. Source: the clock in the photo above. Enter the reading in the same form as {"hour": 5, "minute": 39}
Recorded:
{"hour": 2, "minute": 55}
